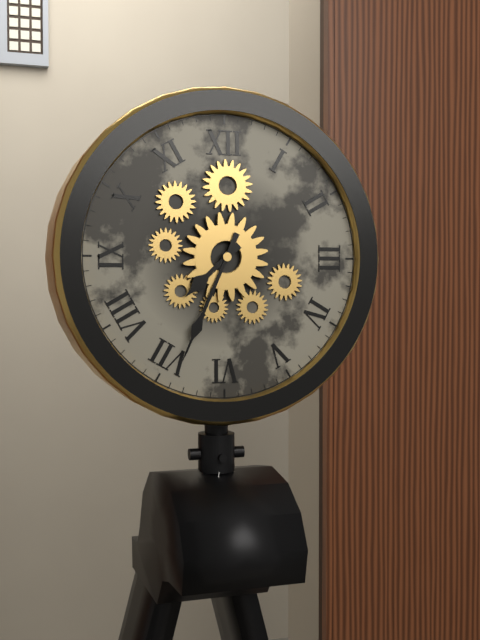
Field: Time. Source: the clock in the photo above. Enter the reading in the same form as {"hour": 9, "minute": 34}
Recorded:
{"hour": 7, "minute": 34}
